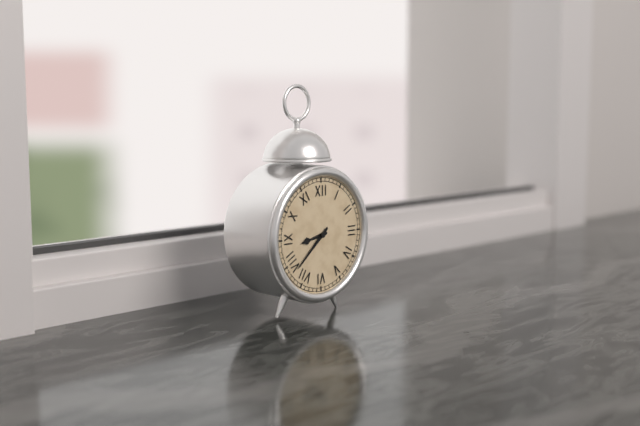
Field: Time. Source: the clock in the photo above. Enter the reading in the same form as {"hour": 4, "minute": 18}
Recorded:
{"hour": 8, "minute": 38}
